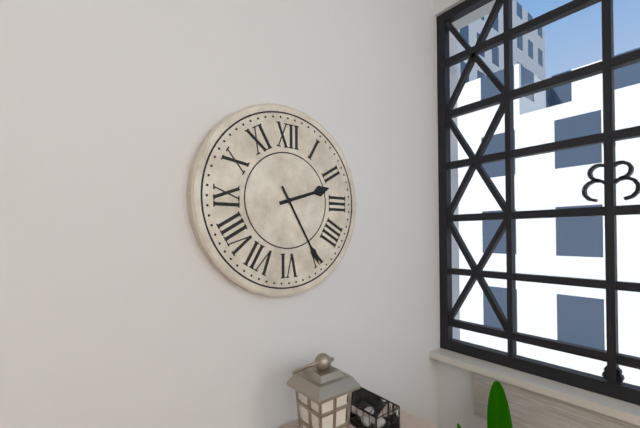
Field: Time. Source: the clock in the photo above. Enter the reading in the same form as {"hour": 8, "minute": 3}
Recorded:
{"hour": 2, "minute": 25}
